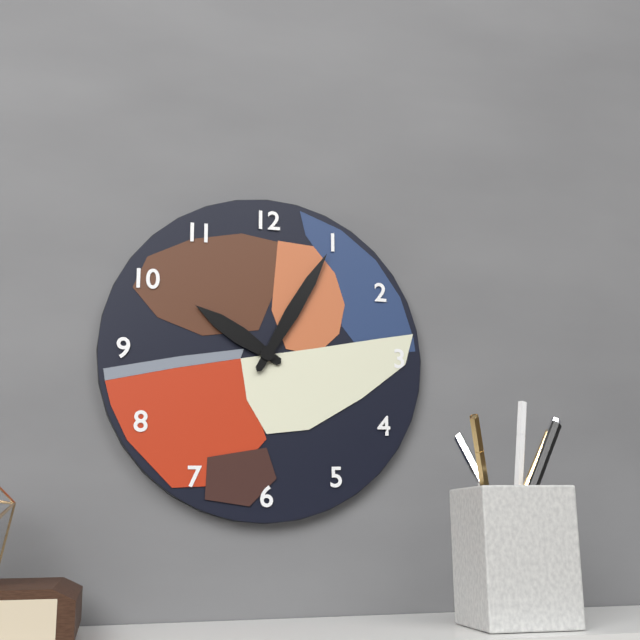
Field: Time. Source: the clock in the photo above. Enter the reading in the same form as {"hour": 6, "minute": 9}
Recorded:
{"hour": 10, "minute": 5}
